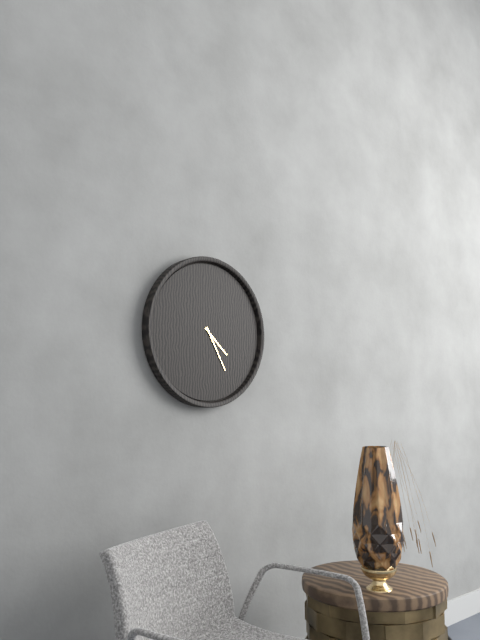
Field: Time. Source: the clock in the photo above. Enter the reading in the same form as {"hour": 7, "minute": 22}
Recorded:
{"hour": 4, "minute": 25}
